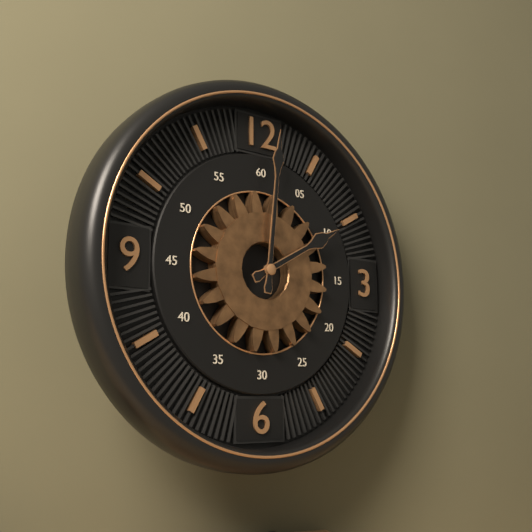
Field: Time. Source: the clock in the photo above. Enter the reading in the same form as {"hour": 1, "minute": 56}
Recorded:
{"hour": 2, "minute": 1}
